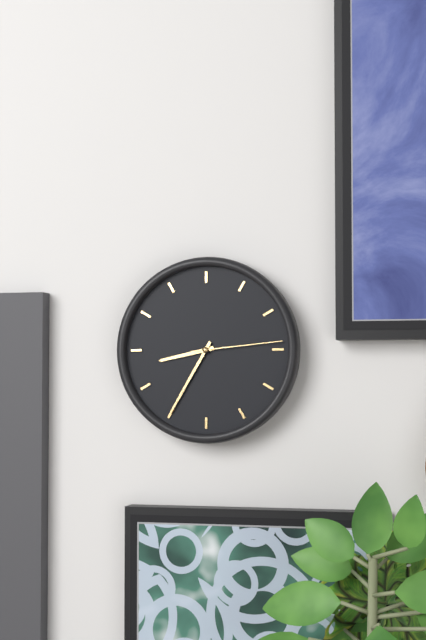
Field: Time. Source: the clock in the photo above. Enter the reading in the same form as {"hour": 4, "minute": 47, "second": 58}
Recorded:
{"hour": 8, "minute": 35, "second": 14}
